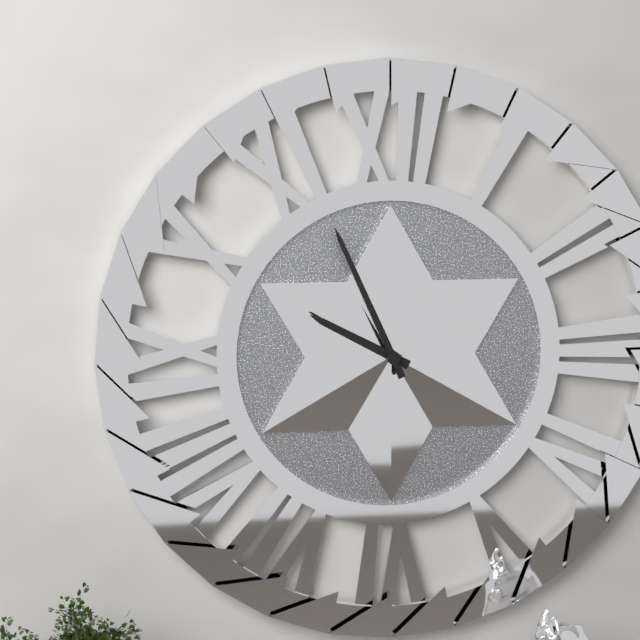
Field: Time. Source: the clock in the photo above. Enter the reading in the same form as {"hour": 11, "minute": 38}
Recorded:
{"hour": 9, "minute": 56}
